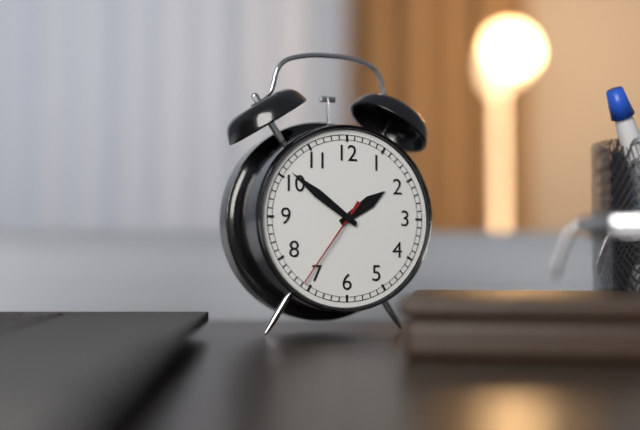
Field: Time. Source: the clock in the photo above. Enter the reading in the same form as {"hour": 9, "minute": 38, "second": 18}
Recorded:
{"hour": 1, "minute": 51, "second": 36}
